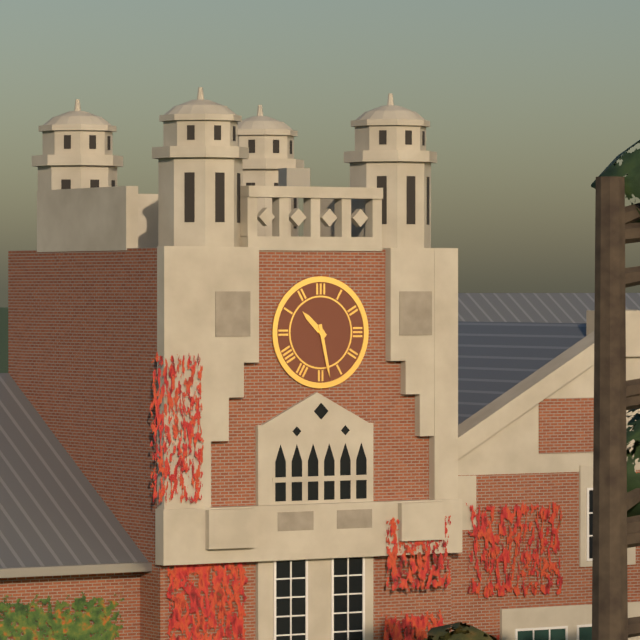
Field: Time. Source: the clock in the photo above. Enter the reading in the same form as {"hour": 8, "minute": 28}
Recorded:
{"hour": 10, "minute": 28}
